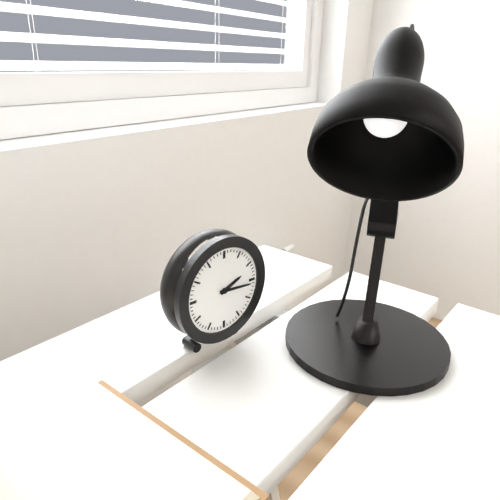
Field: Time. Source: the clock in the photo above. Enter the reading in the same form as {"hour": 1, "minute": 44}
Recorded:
{"hour": 2, "minute": 16}
